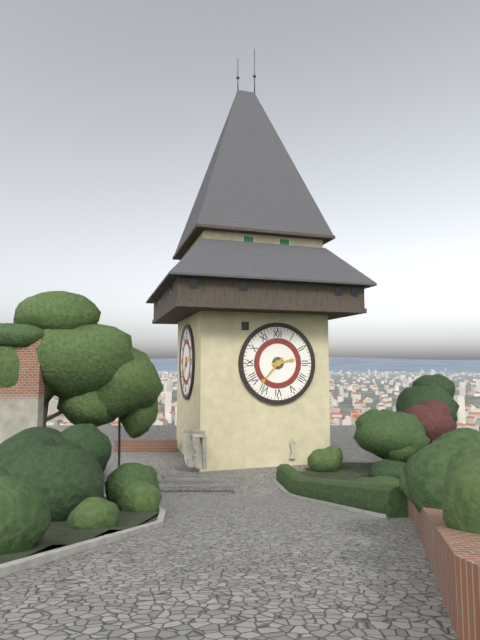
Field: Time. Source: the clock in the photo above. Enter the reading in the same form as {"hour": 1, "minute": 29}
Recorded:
{"hour": 2, "minute": 37}
